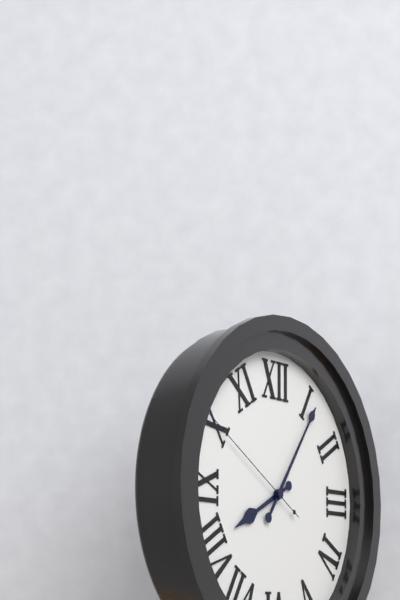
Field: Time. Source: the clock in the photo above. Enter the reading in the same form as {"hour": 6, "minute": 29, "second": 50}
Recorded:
{"hour": 8, "minute": 6, "second": 50}
